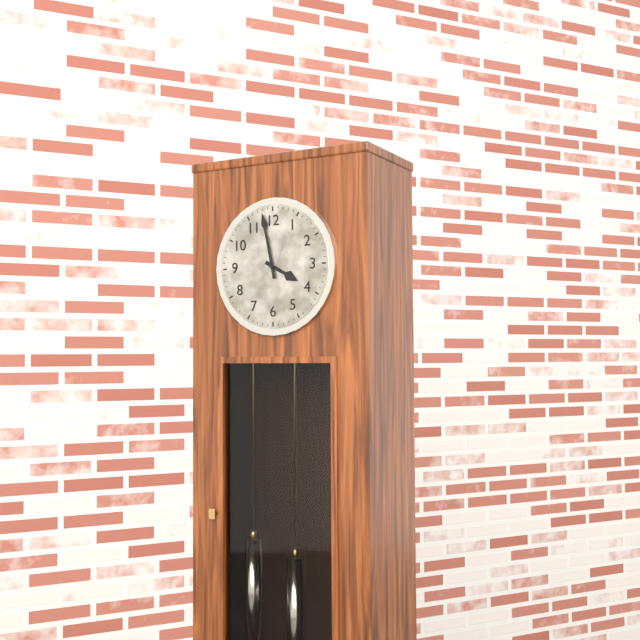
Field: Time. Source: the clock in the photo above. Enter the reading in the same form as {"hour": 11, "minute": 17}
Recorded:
{"hour": 3, "minute": 58}
